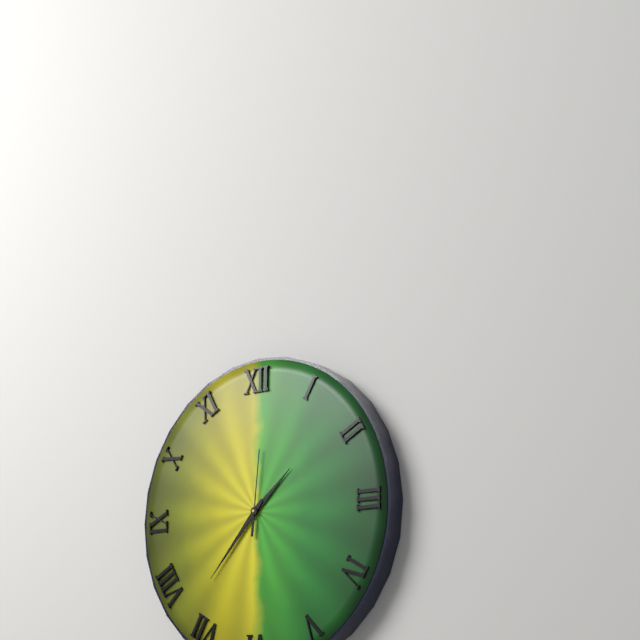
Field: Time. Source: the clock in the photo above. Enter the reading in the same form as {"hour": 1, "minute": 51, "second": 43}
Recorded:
{"hour": 1, "minute": 37, "second": 1}
